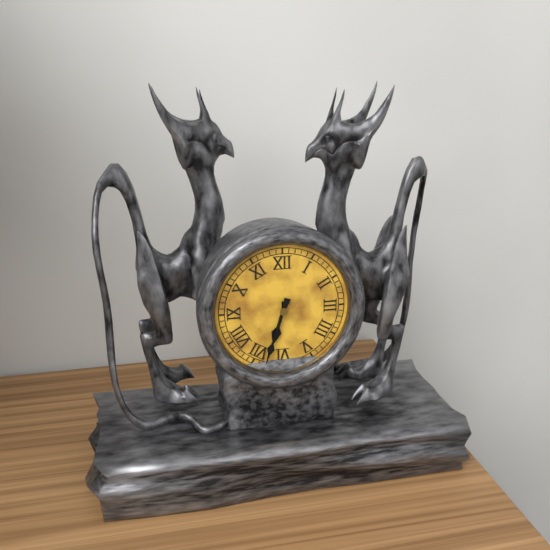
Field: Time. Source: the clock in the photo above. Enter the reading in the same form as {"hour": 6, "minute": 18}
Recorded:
{"hour": 6, "minute": 33}
